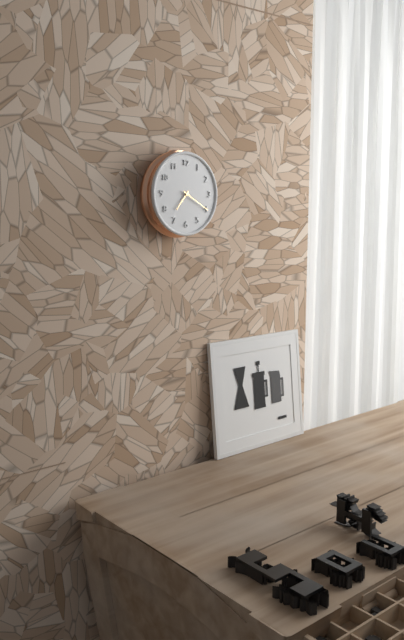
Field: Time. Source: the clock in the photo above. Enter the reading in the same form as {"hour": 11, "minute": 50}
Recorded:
{"hour": 7, "minute": 20}
